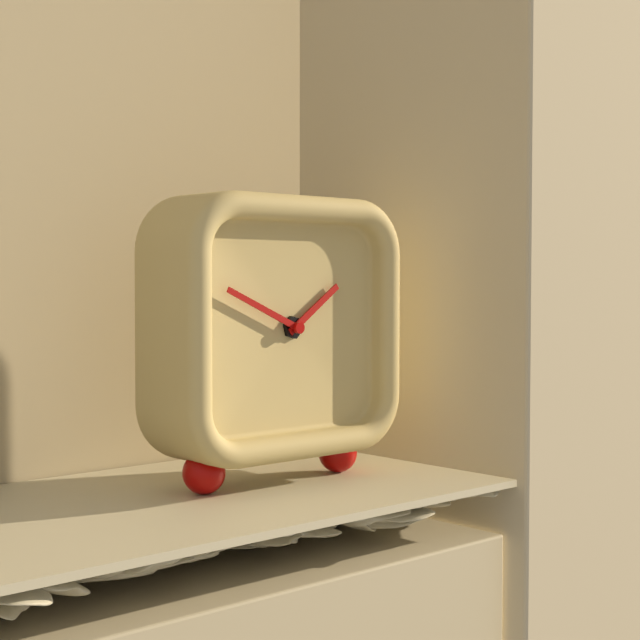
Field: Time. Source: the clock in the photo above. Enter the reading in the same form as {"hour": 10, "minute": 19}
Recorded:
{"hour": 1, "minute": 49}
